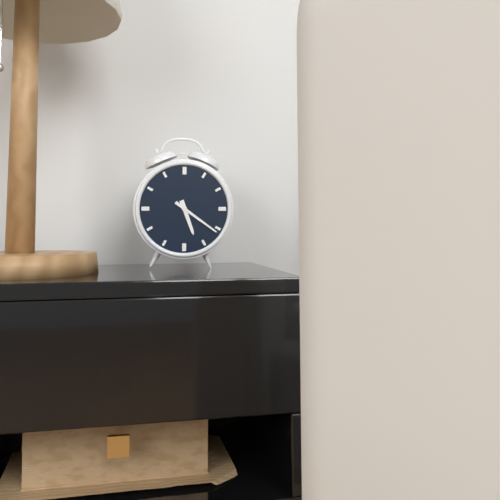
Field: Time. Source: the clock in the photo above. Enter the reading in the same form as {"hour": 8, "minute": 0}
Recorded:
{"hour": 5, "minute": 21}
